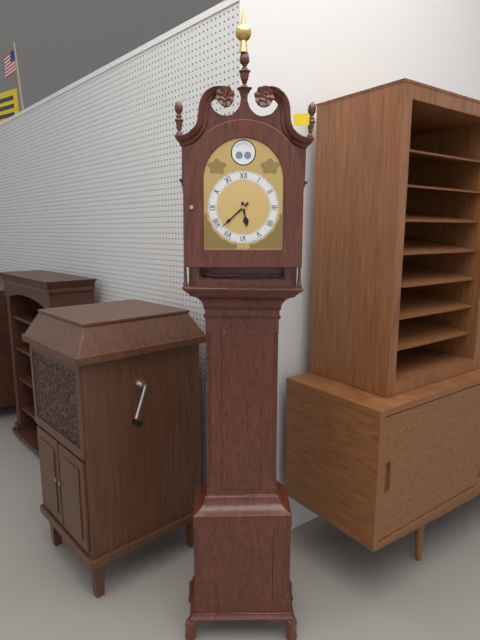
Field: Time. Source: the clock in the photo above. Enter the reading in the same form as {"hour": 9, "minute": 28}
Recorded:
{"hour": 5, "minute": 38}
